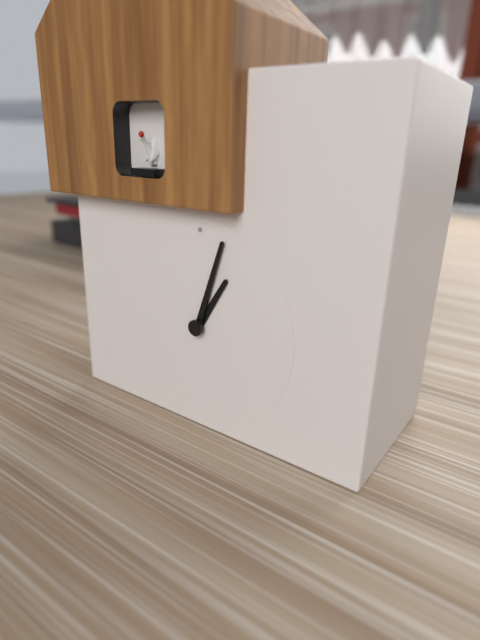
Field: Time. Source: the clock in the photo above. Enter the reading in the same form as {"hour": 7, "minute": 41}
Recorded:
{"hour": 1, "minute": 3}
